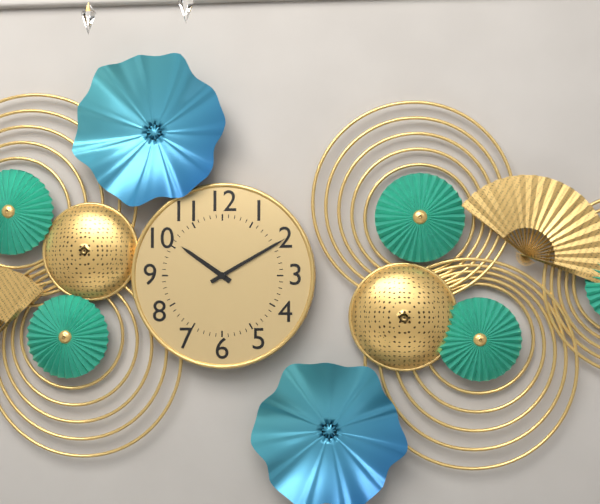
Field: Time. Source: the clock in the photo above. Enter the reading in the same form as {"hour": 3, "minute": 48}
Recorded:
{"hour": 10, "minute": 10}
